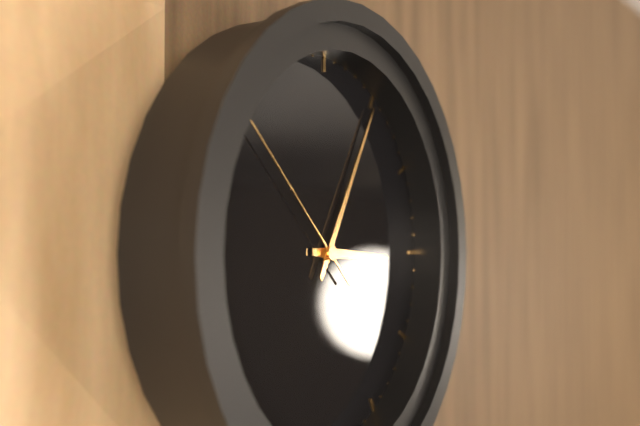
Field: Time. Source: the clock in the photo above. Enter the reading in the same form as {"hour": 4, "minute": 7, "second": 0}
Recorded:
{"hour": 3, "minute": 5, "second": 52}
